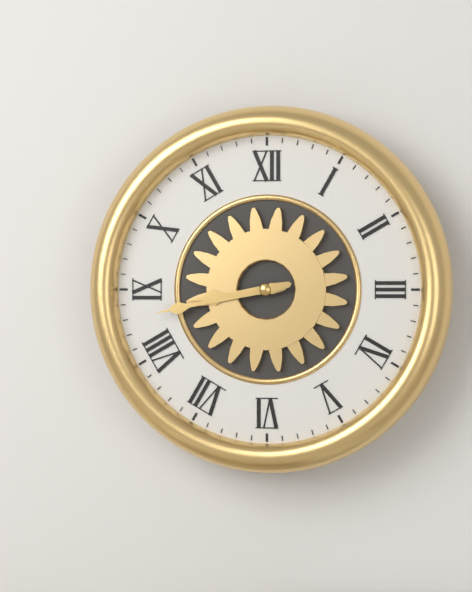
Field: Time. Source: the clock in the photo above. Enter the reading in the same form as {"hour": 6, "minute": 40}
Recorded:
{"hour": 8, "minute": 43}
